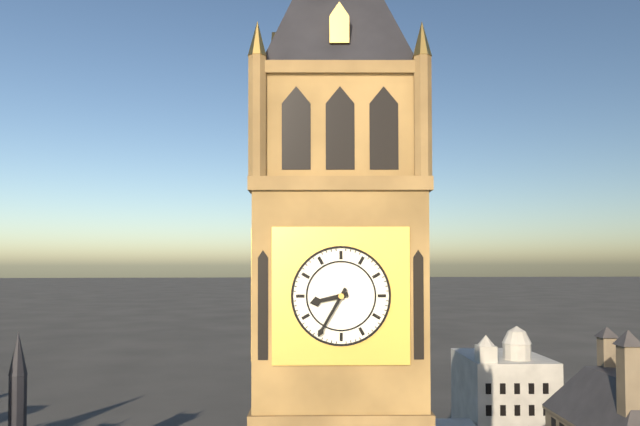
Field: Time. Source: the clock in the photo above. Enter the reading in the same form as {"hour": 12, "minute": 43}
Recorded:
{"hour": 8, "minute": 35}
